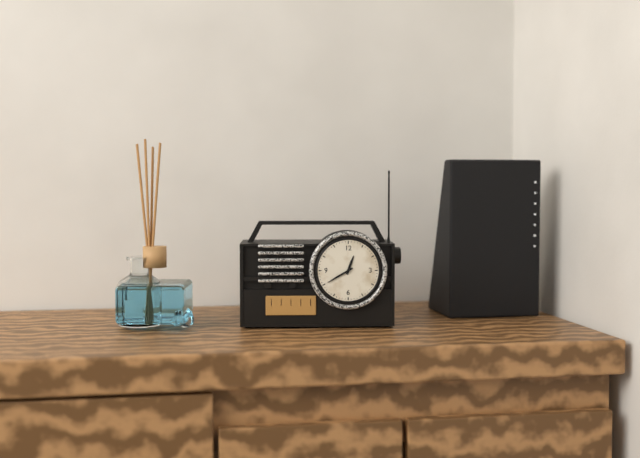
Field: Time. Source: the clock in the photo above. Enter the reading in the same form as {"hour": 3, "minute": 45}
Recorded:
{"hour": 12, "minute": 40}
